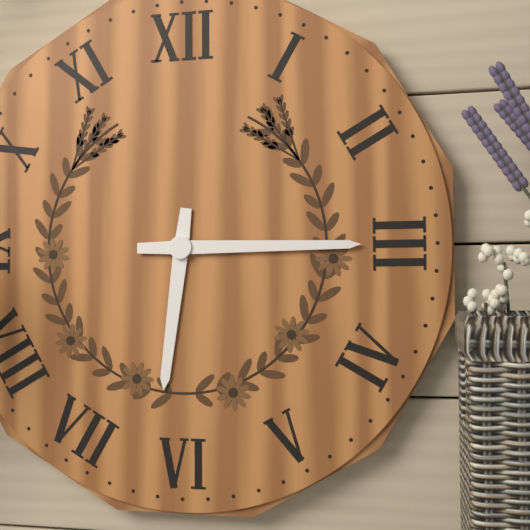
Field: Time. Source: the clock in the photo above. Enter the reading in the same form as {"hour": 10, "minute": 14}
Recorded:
{"hour": 6, "minute": 15}
